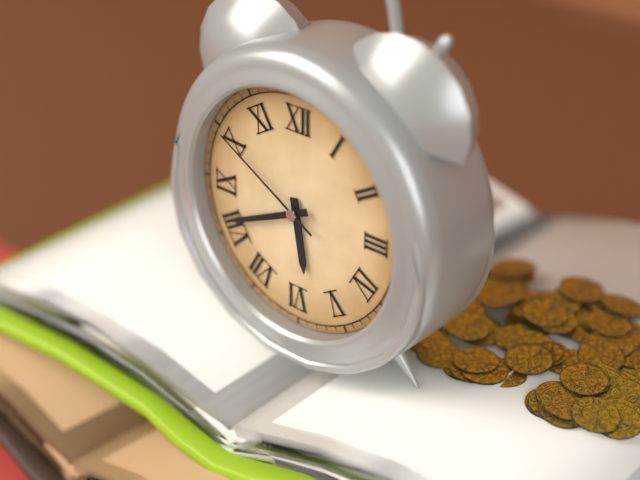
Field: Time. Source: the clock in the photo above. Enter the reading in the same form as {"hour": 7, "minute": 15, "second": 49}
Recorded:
{"hour": 5, "minute": 41, "second": 50}
